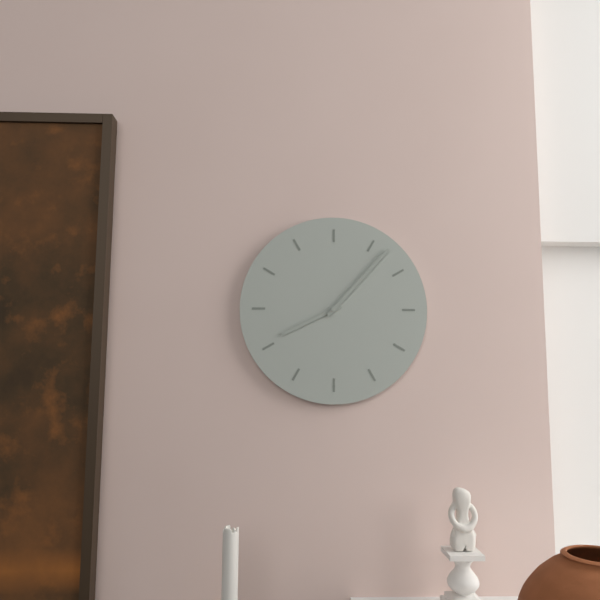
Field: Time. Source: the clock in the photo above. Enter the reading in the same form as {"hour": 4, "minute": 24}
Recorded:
{"hour": 8, "minute": 7}
